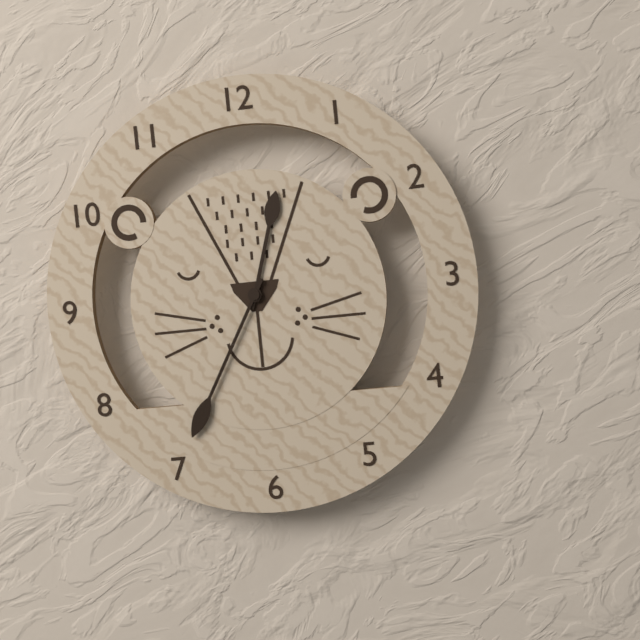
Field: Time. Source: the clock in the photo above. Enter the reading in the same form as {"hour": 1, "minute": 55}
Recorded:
{"hour": 12, "minute": 35}
